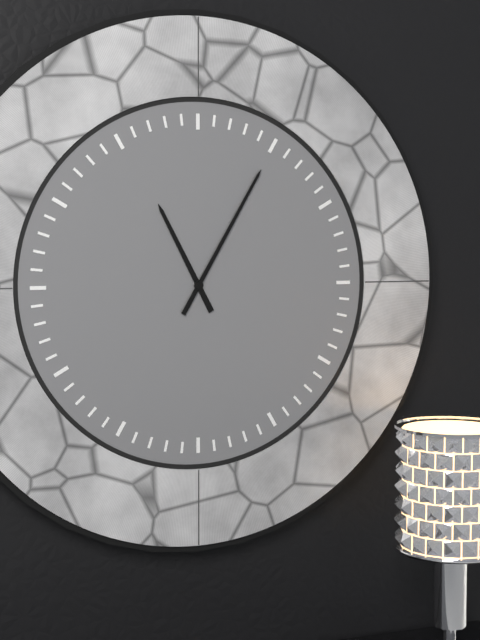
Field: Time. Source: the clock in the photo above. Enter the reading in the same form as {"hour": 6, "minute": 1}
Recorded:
{"hour": 11, "minute": 5}
